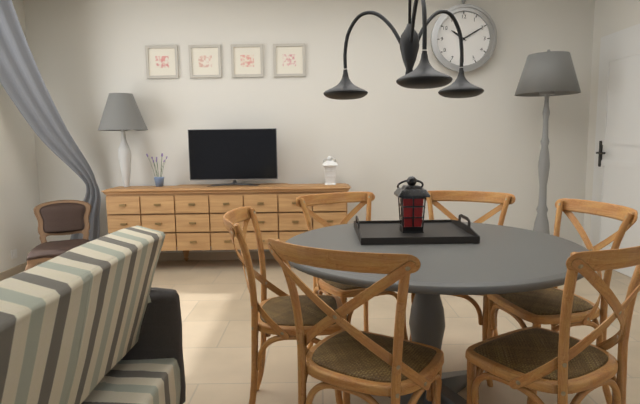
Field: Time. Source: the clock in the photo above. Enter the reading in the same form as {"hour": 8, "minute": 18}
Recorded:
{"hour": 10, "minute": 10}
